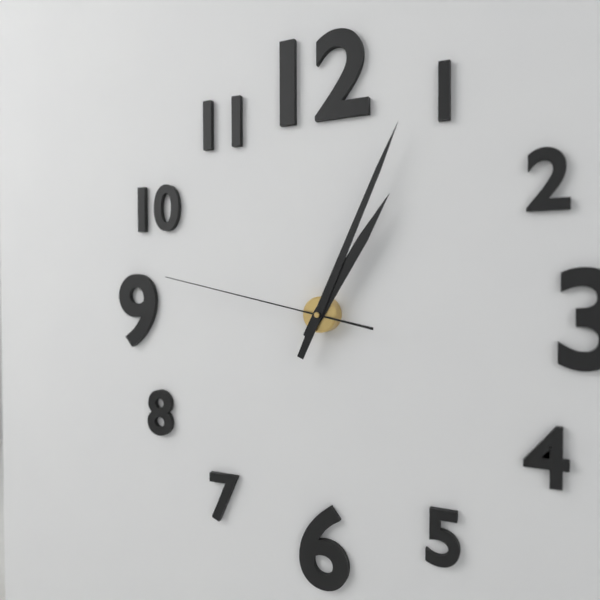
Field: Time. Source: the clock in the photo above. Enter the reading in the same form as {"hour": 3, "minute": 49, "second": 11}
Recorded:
{"hour": 1, "minute": 4, "second": 47}
